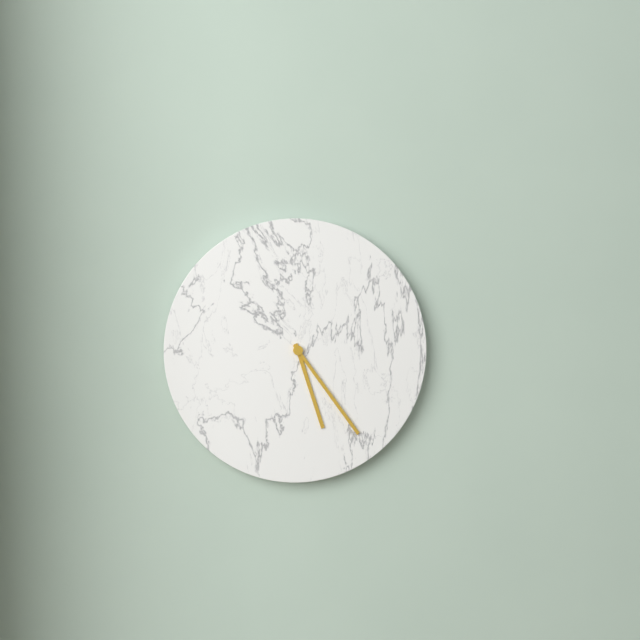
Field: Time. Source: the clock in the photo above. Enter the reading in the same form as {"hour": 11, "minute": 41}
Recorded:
{"hour": 5, "minute": 24}
